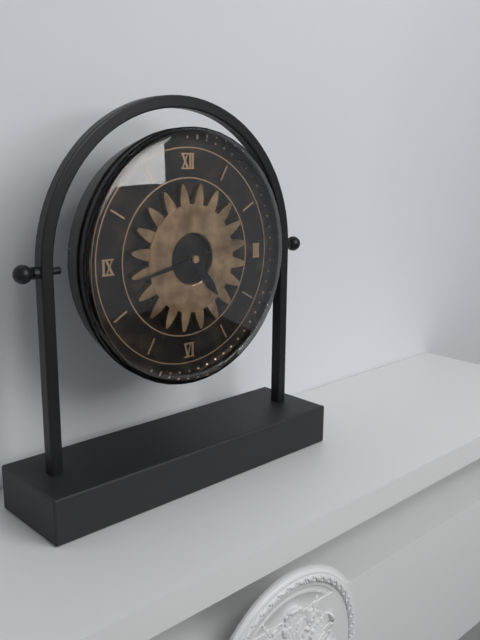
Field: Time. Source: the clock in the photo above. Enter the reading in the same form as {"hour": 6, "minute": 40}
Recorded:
{"hour": 4, "minute": 43}
